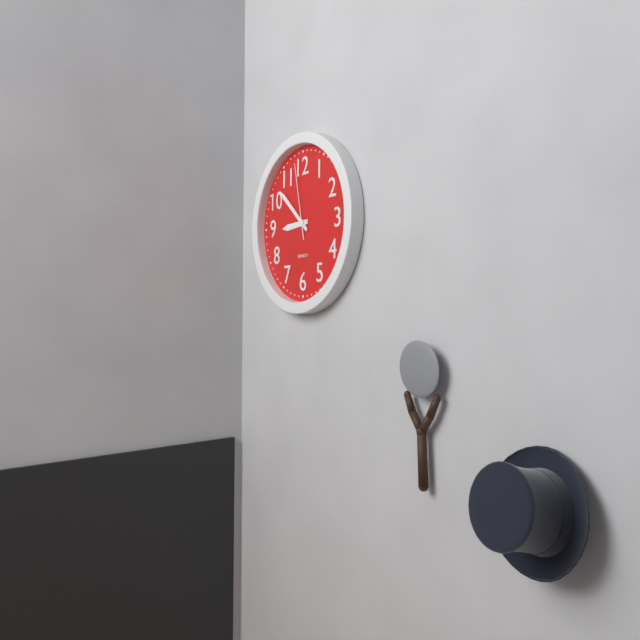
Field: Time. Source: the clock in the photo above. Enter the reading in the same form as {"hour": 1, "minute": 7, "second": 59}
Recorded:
{"hour": 8, "minute": 52, "second": 58}
